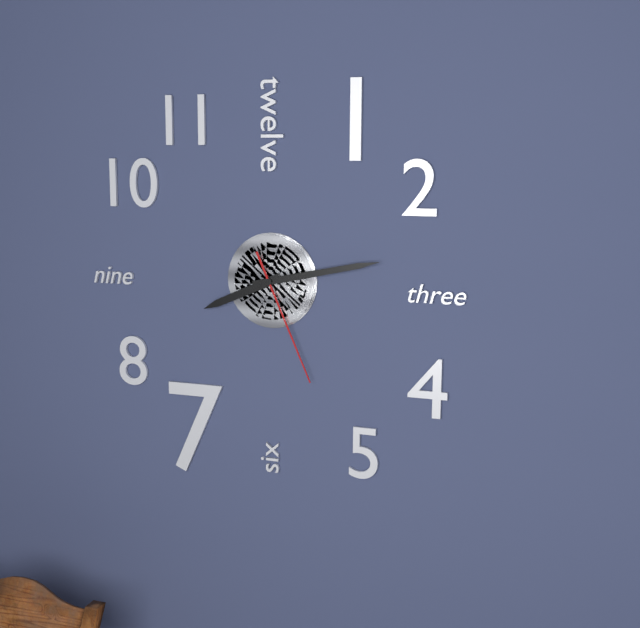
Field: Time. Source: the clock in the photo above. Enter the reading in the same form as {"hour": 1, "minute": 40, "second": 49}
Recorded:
{"hour": 8, "minute": 13, "second": 26}
